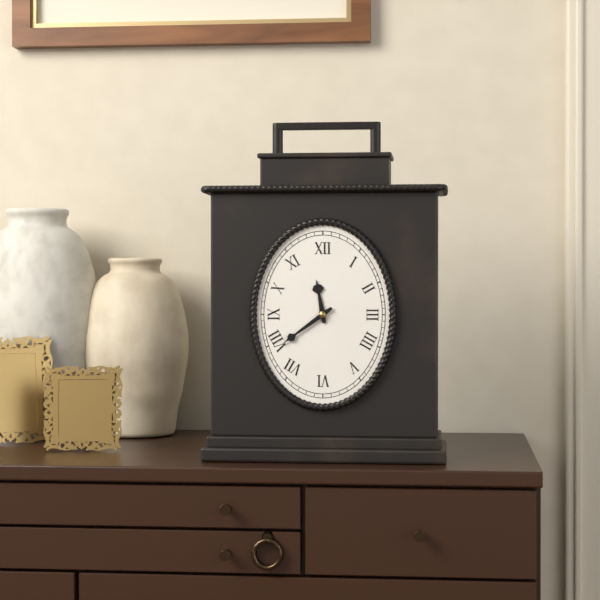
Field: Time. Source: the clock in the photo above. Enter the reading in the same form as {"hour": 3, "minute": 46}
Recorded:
{"hour": 11, "minute": 39}
